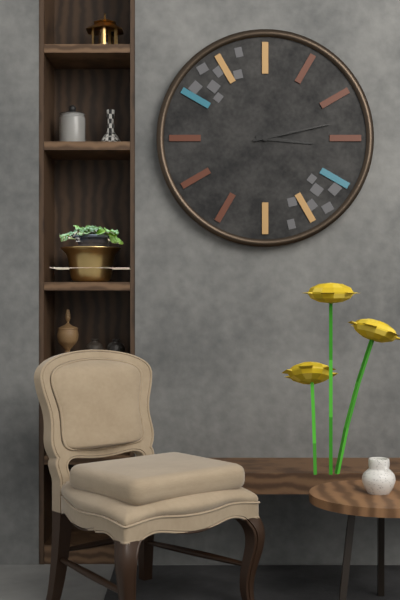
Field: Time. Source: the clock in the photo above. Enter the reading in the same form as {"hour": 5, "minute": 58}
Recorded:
{"hour": 3, "minute": 13}
